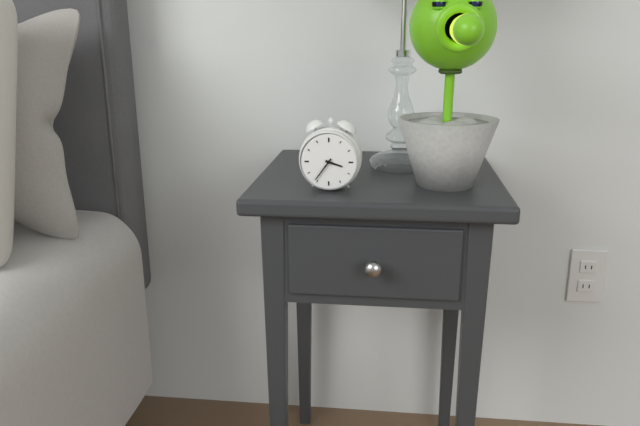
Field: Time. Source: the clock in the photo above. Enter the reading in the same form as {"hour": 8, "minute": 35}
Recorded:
{"hour": 3, "minute": 36}
